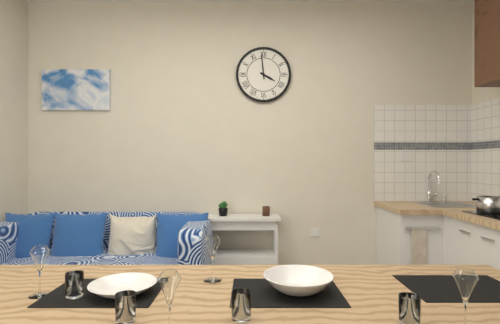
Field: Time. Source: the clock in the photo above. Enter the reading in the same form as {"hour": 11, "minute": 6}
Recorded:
{"hour": 3, "minute": 59}
